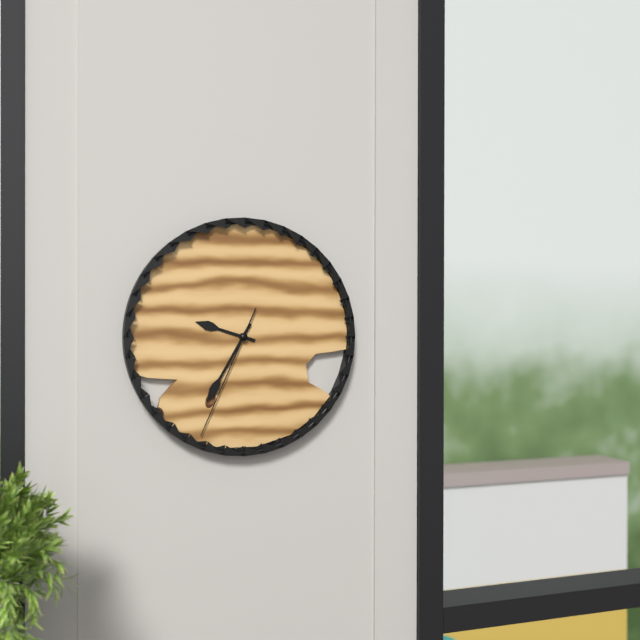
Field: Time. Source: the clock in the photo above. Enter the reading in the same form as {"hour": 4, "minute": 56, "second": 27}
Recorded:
{"hour": 9, "minute": 35, "second": 34}
